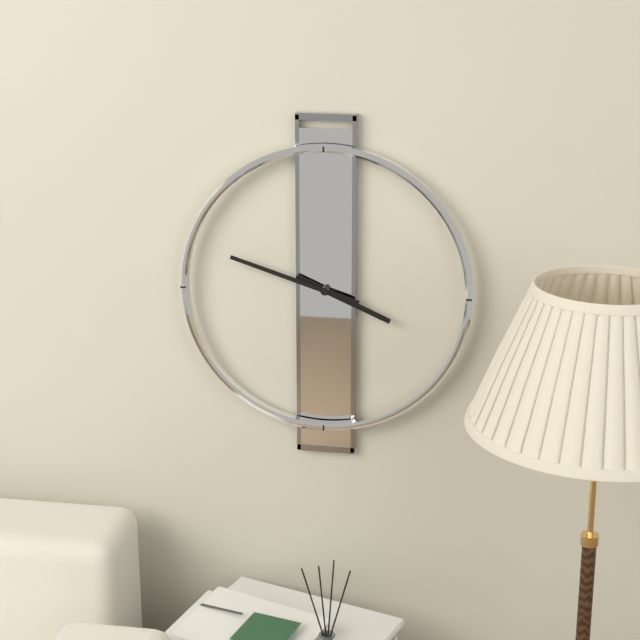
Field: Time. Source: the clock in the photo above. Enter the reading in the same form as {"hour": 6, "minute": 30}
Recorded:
{"hour": 3, "minute": 48}
